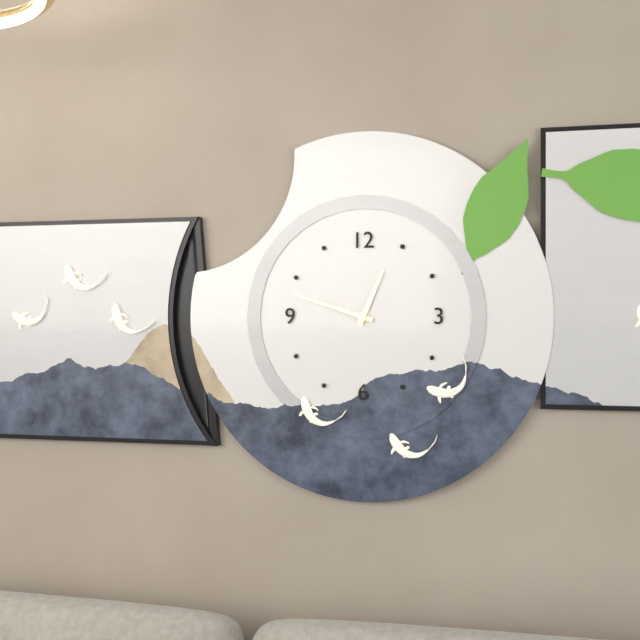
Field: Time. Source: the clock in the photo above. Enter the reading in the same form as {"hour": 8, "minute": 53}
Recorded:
{"hour": 12, "minute": 48}
